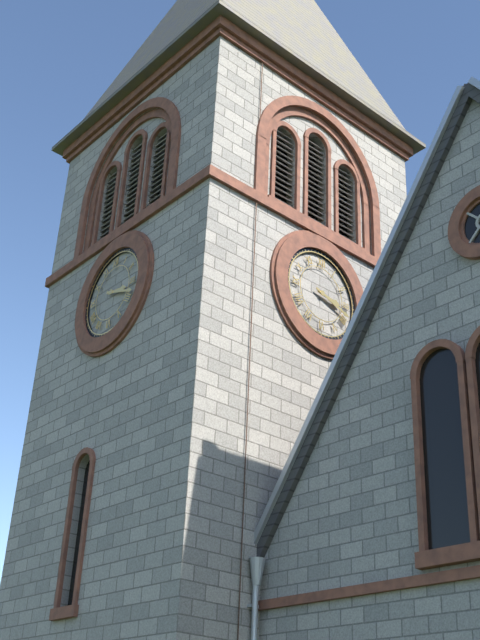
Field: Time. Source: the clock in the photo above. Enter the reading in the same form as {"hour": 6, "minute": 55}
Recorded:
{"hour": 3, "minute": 18}
